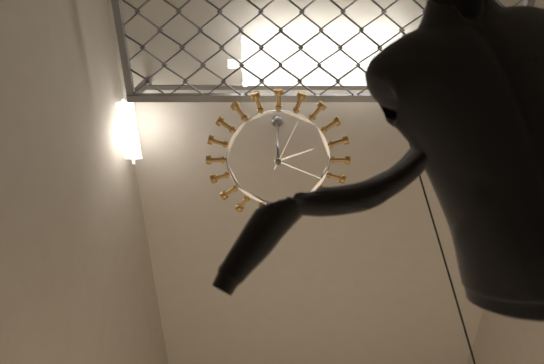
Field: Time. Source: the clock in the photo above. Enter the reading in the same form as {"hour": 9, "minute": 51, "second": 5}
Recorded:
{"hour": 2, "minute": 19, "second": 4}
